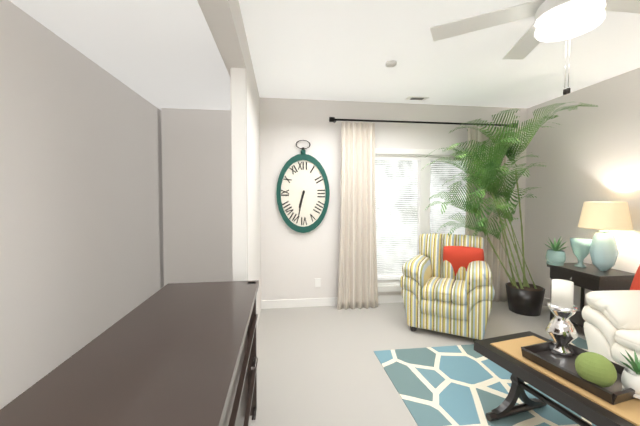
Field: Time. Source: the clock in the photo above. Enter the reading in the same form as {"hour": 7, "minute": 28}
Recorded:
{"hour": 6, "minute": 32}
